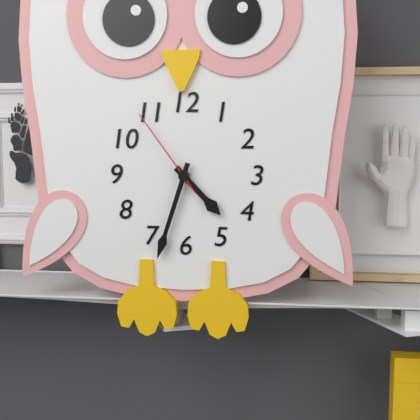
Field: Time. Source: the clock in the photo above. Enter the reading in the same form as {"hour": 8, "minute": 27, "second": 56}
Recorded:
{"hour": 4, "minute": 33, "second": 54}
